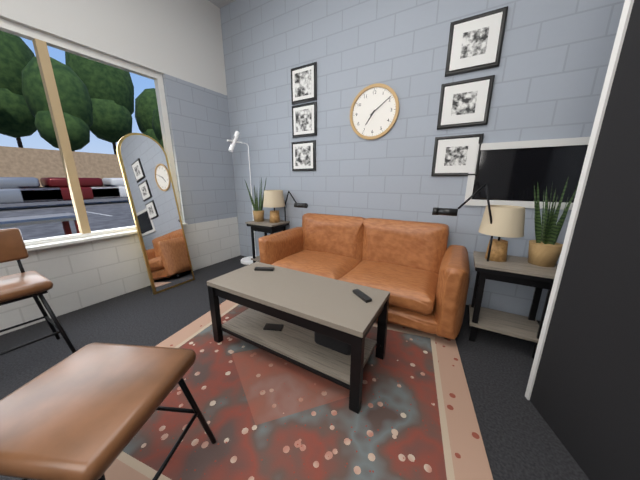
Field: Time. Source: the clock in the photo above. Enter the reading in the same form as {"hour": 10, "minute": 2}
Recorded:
{"hour": 7, "minute": 9}
